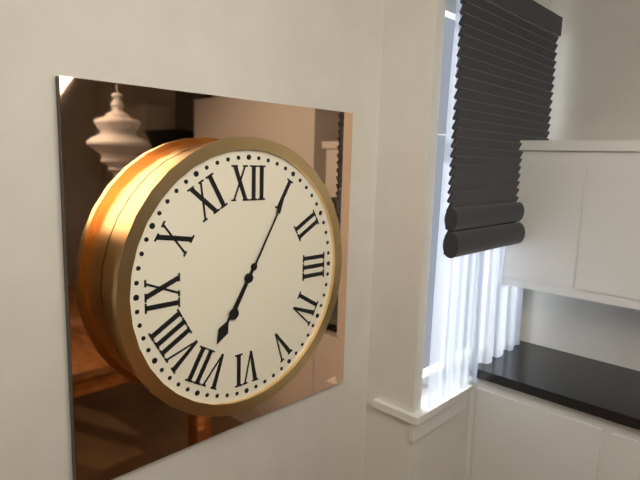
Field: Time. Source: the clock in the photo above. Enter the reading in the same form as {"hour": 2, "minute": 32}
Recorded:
{"hour": 7, "minute": 5}
